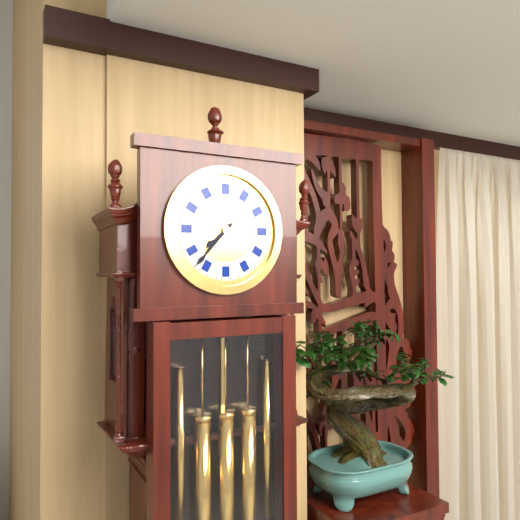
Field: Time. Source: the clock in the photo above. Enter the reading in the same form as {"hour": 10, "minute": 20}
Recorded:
{"hour": 7, "minute": 37}
